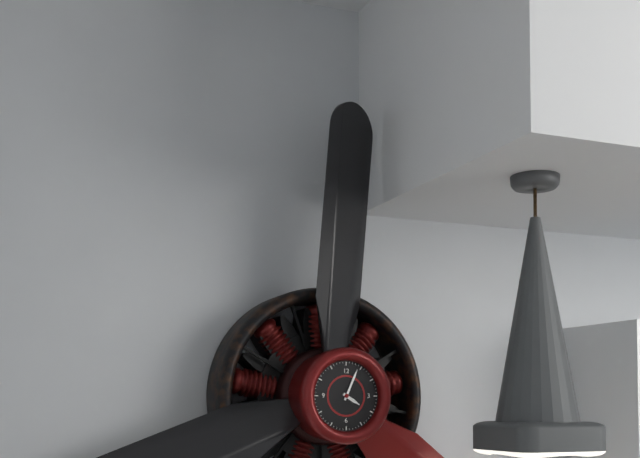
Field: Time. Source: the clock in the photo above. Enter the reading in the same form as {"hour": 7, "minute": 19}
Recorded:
{"hour": 4, "minute": 4}
